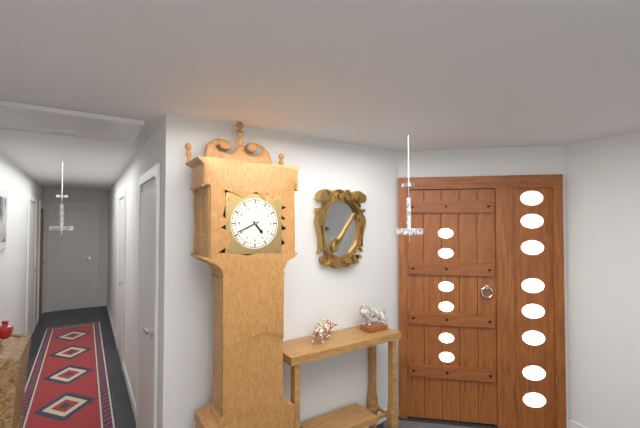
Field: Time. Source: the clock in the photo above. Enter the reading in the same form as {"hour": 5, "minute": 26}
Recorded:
{"hour": 4, "minute": 41}
